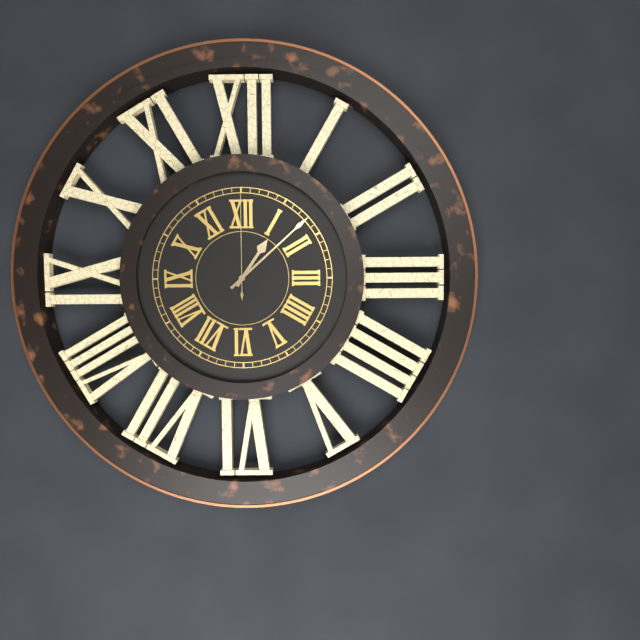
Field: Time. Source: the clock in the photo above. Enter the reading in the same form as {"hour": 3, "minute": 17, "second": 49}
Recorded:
{"hour": 1, "minute": 8, "second": 0}
